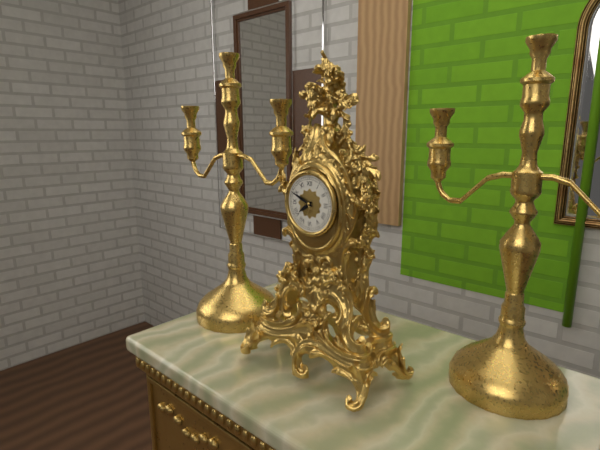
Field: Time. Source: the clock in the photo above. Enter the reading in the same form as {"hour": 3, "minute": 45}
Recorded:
{"hour": 7, "minute": 49}
